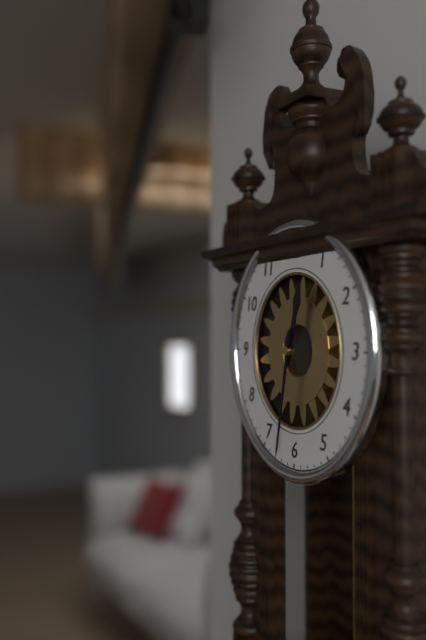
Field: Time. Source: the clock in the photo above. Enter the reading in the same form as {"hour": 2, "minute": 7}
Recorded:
{"hour": 12, "minute": 32}
